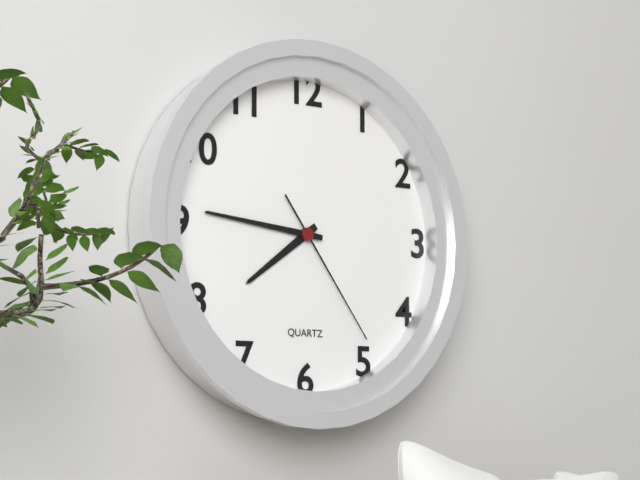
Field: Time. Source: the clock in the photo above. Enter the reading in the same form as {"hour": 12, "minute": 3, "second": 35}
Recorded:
{"hour": 7, "minute": 46, "second": 24}
